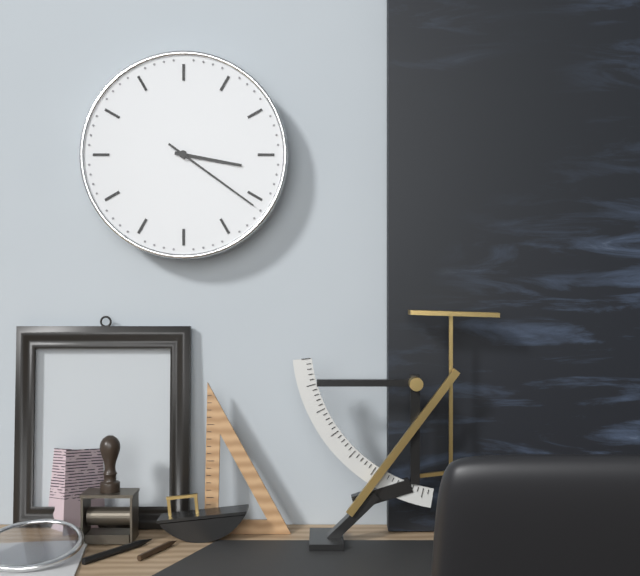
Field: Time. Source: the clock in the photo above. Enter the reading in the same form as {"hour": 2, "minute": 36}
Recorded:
{"hour": 3, "minute": 21}
